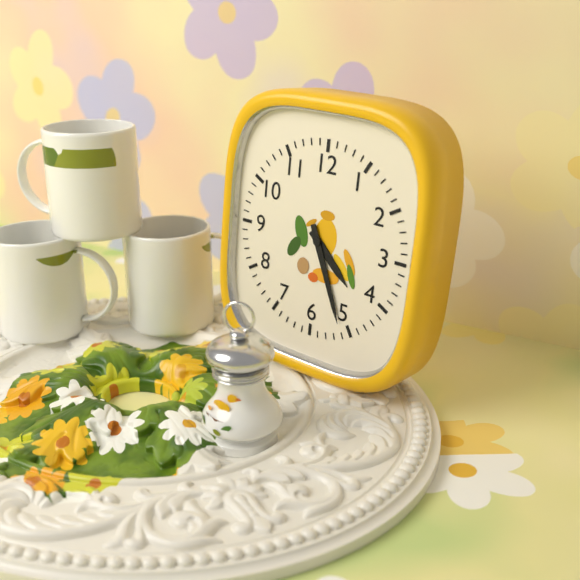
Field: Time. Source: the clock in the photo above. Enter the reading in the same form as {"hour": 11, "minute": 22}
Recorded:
{"hour": 4, "minute": 26}
